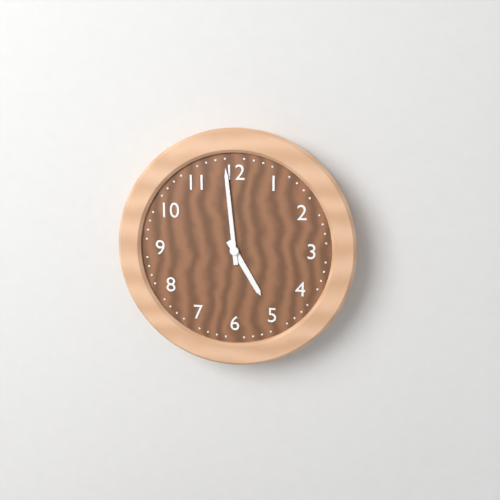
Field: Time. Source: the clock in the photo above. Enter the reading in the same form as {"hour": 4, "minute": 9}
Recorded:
{"hour": 4, "minute": 59}
